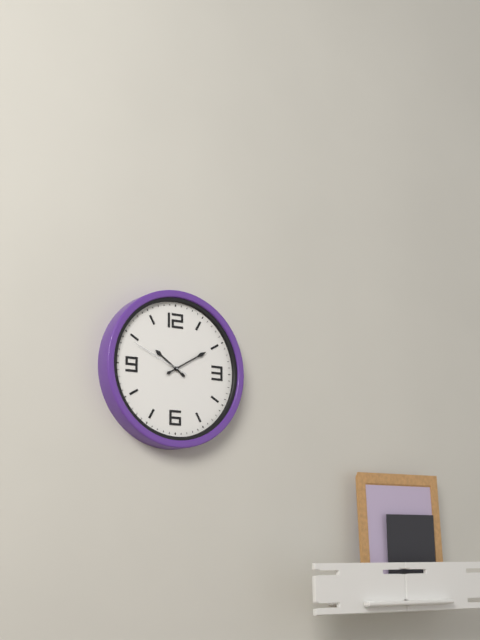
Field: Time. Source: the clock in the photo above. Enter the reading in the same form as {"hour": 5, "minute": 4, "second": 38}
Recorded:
{"hour": 10, "minute": 10, "second": 49}
